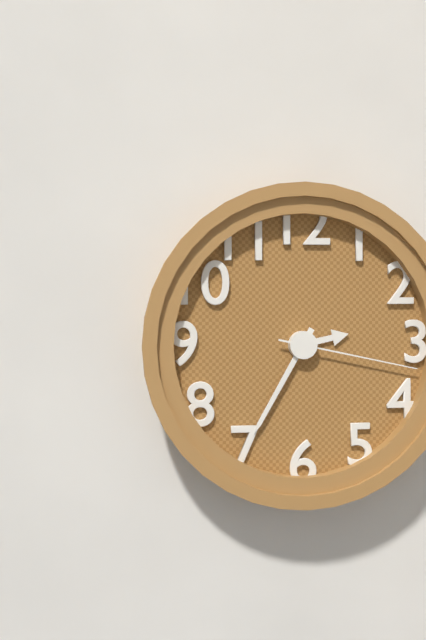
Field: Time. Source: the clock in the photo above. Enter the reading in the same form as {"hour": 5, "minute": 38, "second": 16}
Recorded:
{"hour": 2, "minute": 35, "second": 17}
